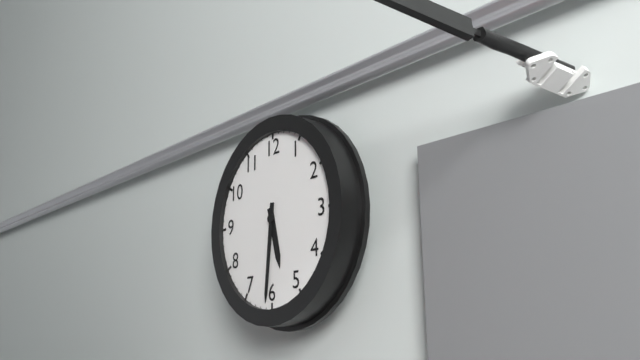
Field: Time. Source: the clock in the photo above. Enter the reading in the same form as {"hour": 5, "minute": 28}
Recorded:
{"hour": 5, "minute": 31}
